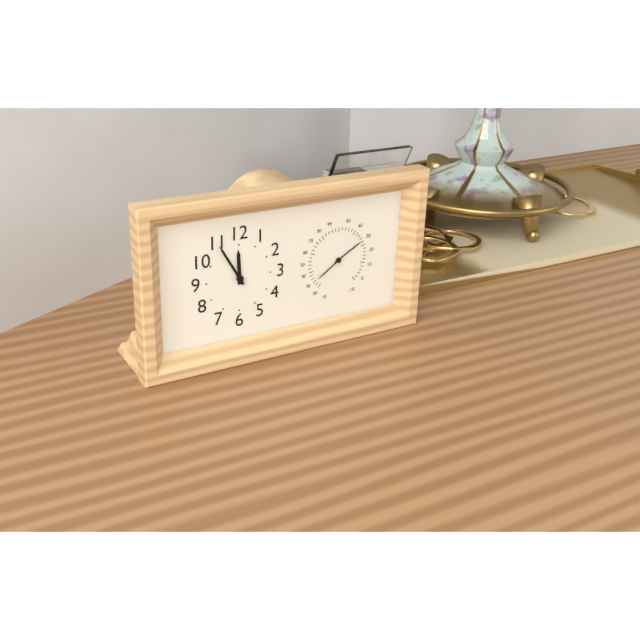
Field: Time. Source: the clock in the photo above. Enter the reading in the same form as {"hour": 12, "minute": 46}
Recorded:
{"hour": 11, "minute": 55}
